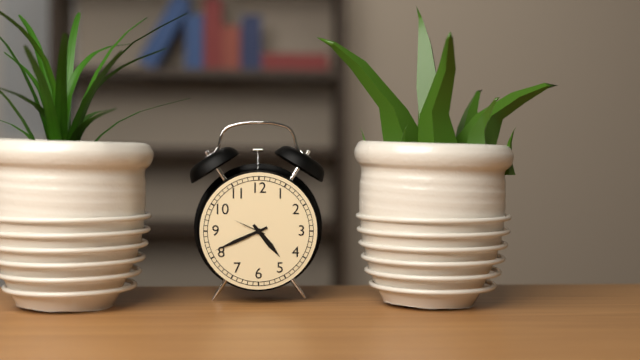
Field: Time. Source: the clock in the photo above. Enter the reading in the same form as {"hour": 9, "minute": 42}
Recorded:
{"hour": 4, "minute": 41}
